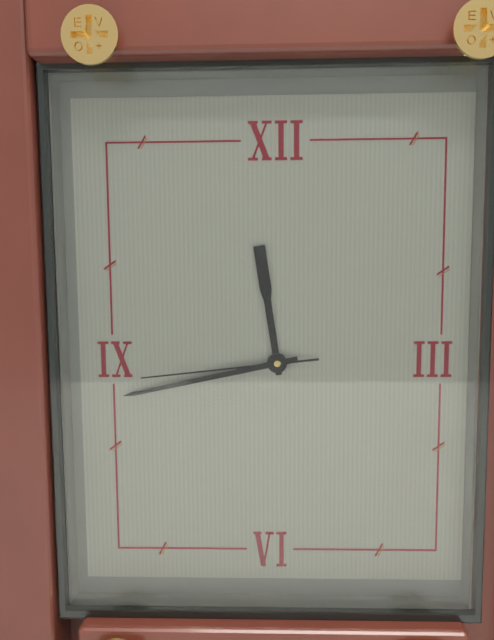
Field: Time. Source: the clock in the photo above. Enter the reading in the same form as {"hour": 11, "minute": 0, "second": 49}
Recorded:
{"hour": 11, "minute": 43, "second": 44}
